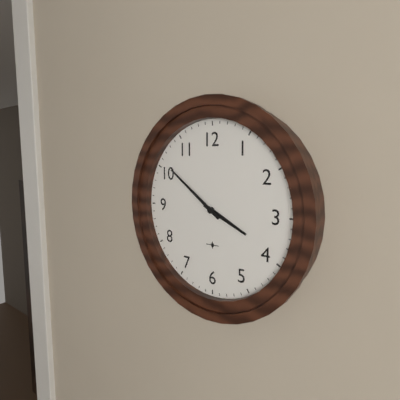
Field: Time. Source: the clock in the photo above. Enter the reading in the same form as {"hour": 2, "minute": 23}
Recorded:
{"hour": 3, "minute": 51}
